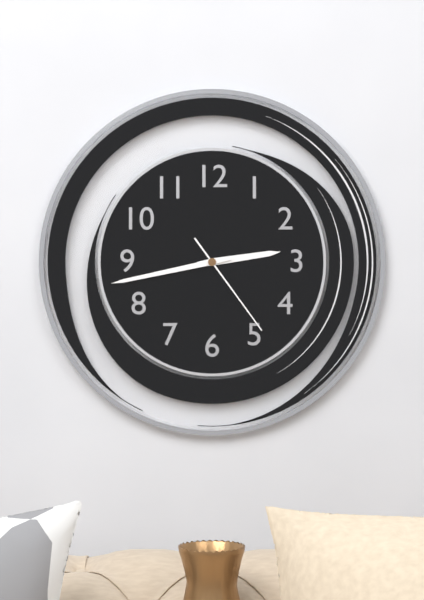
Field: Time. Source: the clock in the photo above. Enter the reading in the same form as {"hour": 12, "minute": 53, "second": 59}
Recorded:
{"hour": 2, "minute": 43, "second": 24}
